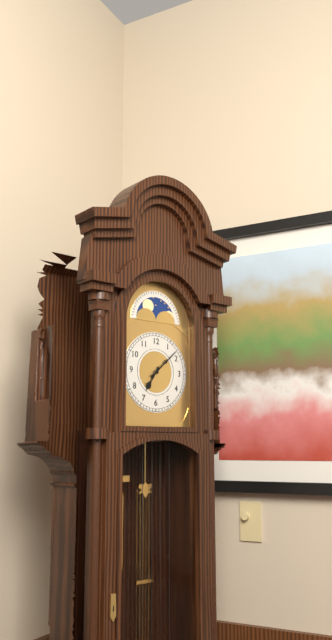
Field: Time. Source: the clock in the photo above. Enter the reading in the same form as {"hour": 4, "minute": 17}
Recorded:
{"hour": 7, "minute": 8}
